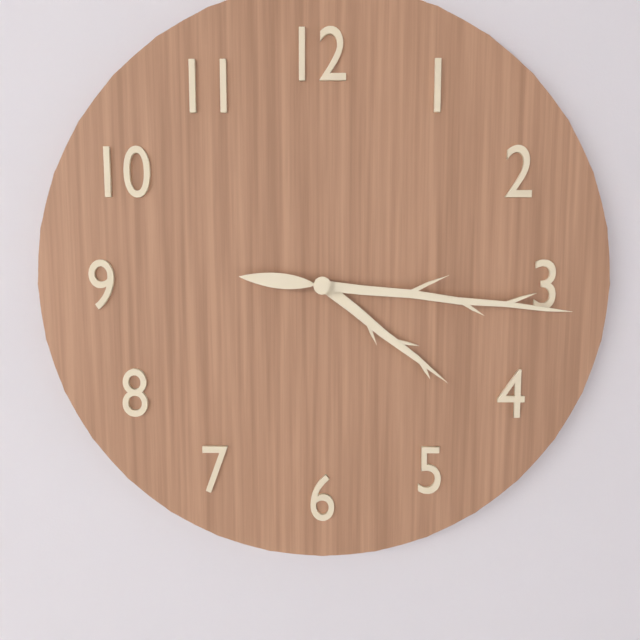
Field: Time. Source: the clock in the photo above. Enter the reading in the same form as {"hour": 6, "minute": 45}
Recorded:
{"hour": 4, "minute": 16}
